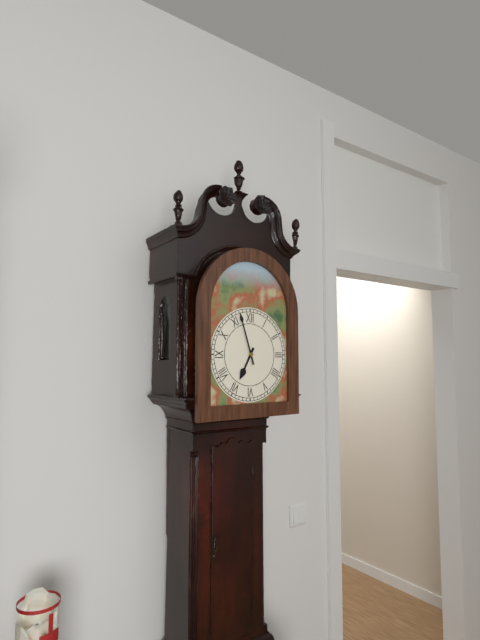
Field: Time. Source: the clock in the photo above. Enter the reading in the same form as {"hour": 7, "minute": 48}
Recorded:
{"hour": 6, "minute": 57}
